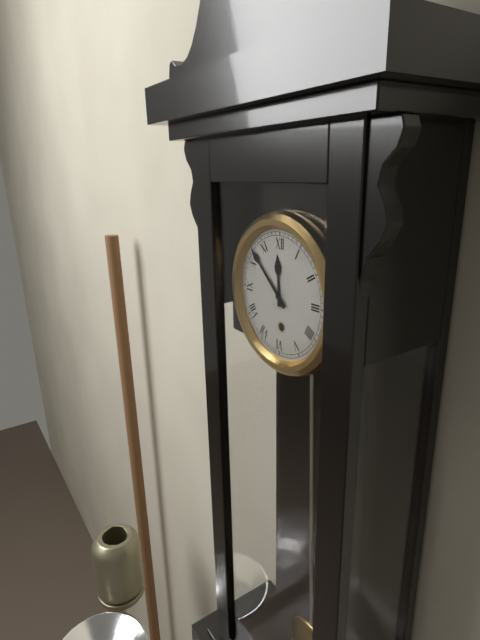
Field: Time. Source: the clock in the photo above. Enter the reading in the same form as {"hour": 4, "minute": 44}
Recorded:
{"hour": 11, "minute": 52}
